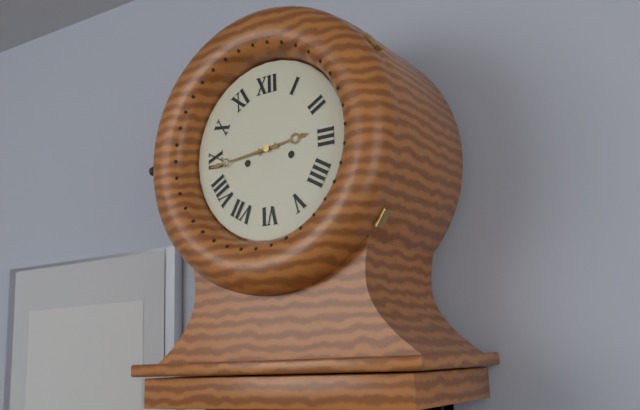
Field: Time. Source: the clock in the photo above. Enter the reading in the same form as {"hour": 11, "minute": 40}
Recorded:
{"hour": 2, "minute": 44}
